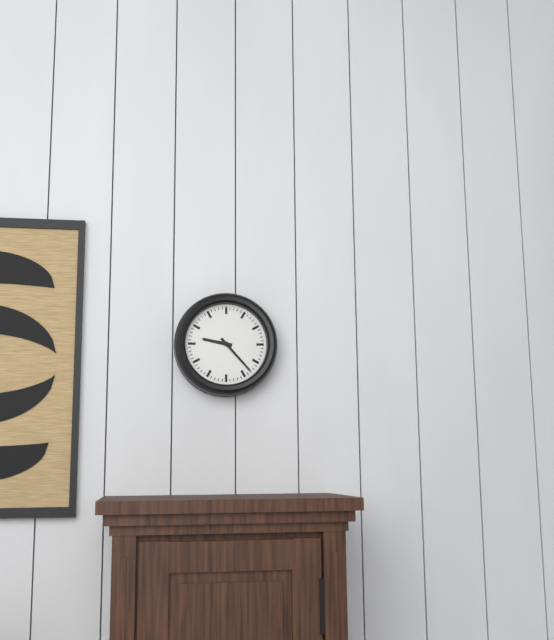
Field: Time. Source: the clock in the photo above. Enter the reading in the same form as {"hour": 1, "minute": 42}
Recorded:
{"hour": 9, "minute": 23}
